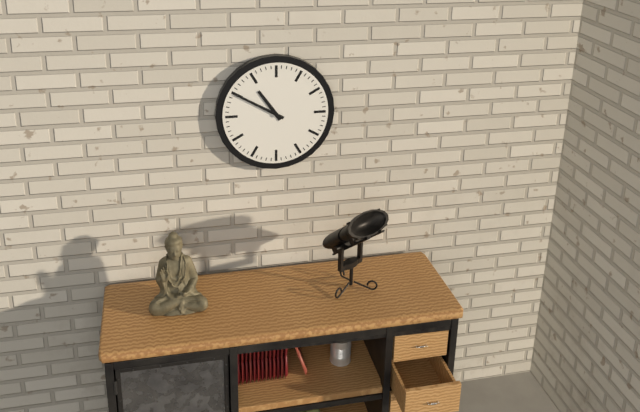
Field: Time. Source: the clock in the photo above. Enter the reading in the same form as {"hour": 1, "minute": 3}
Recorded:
{"hour": 10, "minute": 50}
